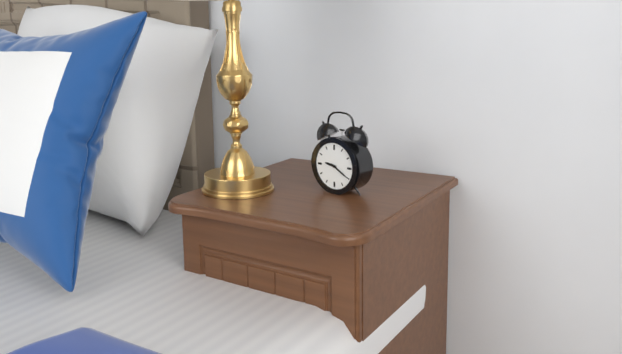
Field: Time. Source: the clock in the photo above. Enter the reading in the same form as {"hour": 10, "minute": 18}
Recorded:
{"hour": 9, "minute": 20}
